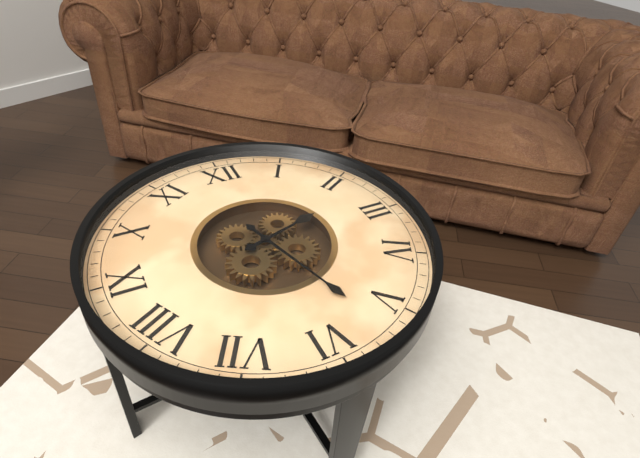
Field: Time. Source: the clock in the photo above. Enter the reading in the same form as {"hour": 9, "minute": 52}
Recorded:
{"hour": 2, "minute": 27}
